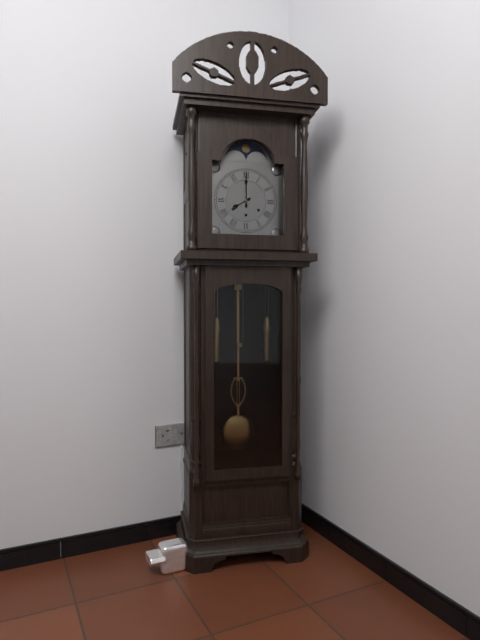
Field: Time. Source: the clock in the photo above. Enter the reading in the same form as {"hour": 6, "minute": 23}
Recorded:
{"hour": 8, "minute": 0}
